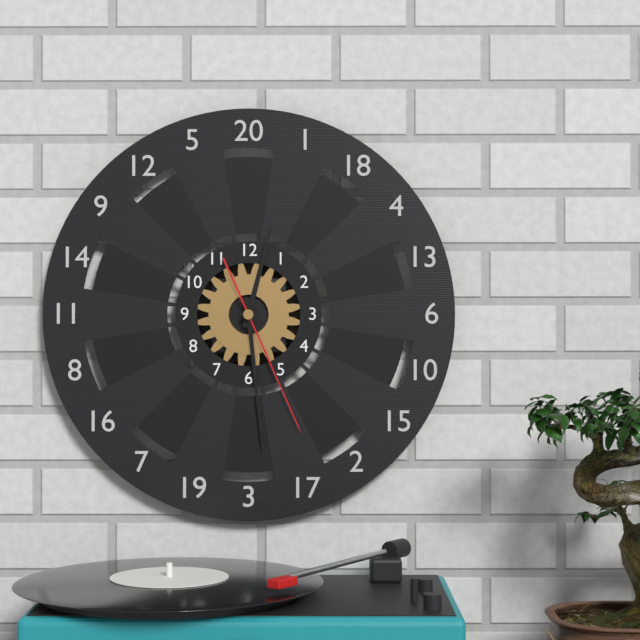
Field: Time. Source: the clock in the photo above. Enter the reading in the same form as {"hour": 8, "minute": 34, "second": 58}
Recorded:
{"hour": 12, "minute": 29, "second": 26}
